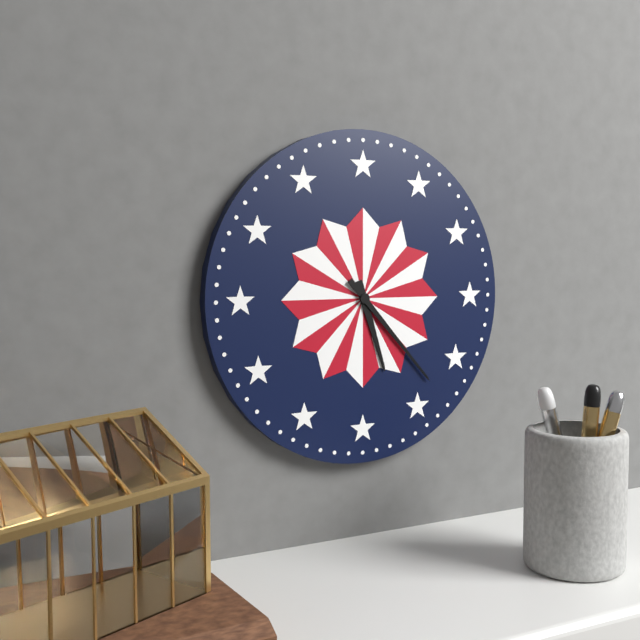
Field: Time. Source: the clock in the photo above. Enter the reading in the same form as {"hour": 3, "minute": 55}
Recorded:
{"hour": 5, "minute": 23}
